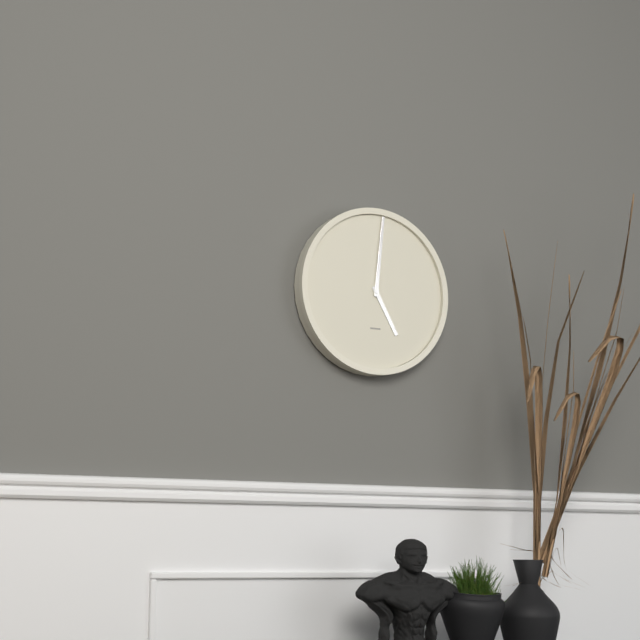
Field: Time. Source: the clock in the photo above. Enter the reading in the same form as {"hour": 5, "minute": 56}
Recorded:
{"hour": 5, "minute": 1}
